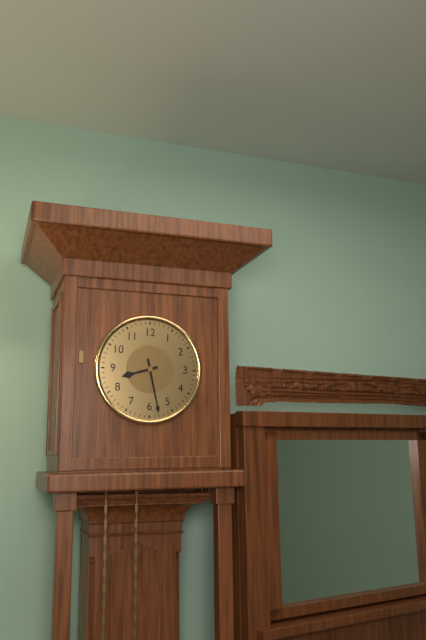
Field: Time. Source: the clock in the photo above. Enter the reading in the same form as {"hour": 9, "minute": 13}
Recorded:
{"hour": 8, "minute": 28}
